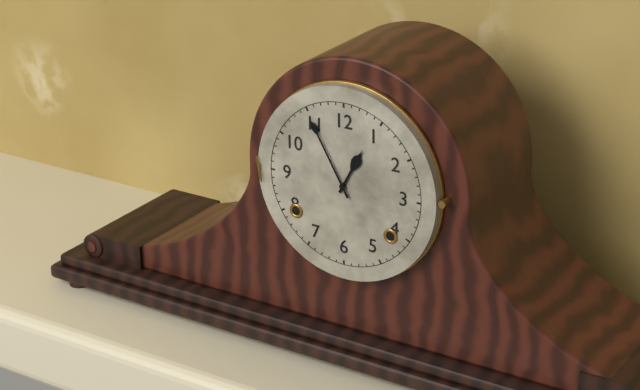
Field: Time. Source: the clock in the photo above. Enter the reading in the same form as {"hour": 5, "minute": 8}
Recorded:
{"hour": 12, "minute": 55}
